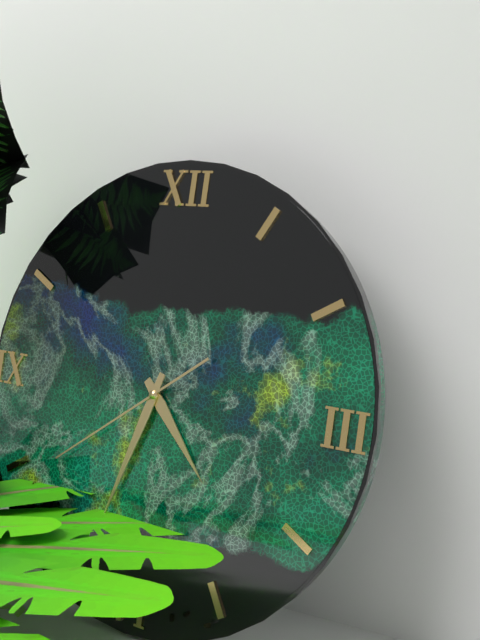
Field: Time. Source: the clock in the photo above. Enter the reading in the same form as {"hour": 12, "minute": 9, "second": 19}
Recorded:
{"hour": 4, "minute": 33, "second": 39}
